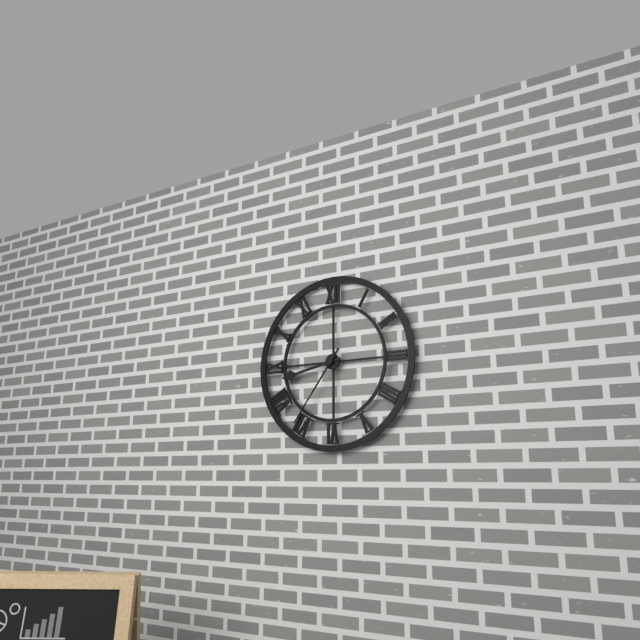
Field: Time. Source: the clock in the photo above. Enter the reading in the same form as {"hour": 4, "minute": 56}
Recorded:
{"hour": 8, "minute": 36}
